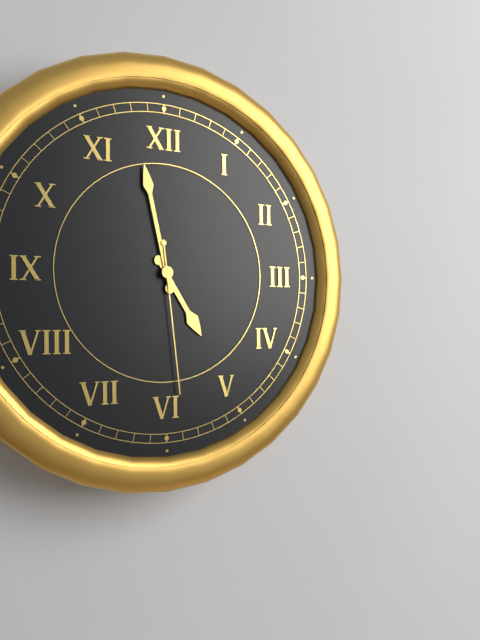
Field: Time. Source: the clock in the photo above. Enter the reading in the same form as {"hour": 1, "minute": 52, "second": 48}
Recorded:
{"hour": 4, "minute": 58, "second": 29}
